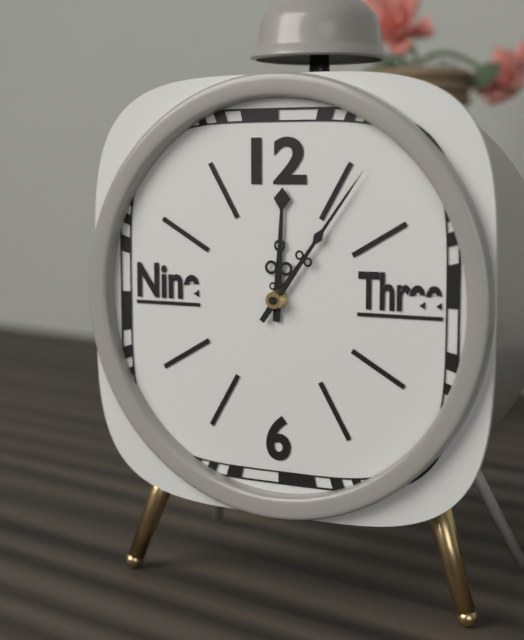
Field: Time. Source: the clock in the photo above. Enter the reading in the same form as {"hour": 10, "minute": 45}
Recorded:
{"hour": 12, "minute": 6}
